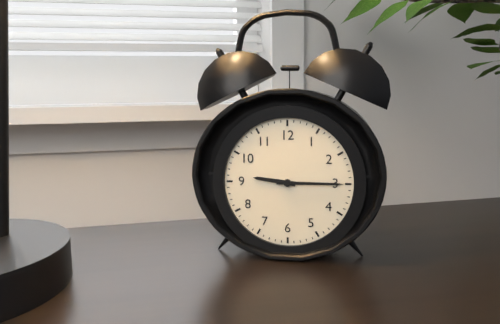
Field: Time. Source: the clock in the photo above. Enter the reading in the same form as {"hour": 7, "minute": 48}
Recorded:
{"hour": 9, "minute": 15}
